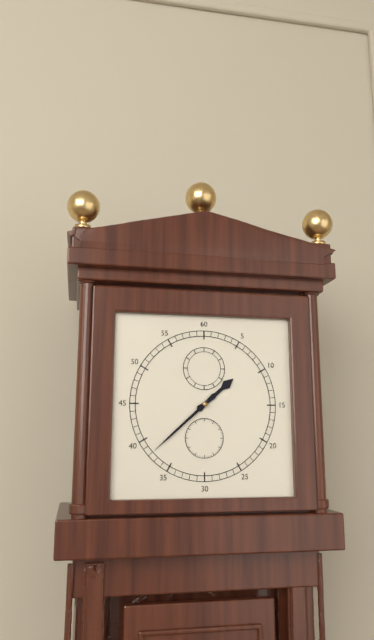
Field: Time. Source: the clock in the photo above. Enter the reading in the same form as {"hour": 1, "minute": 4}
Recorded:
{"hour": 1, "minute": 38}
